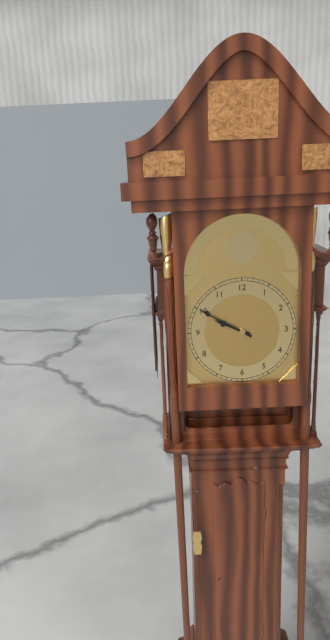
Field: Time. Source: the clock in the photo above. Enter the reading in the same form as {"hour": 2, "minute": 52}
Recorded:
{"hour": 9, "minute": 50}
